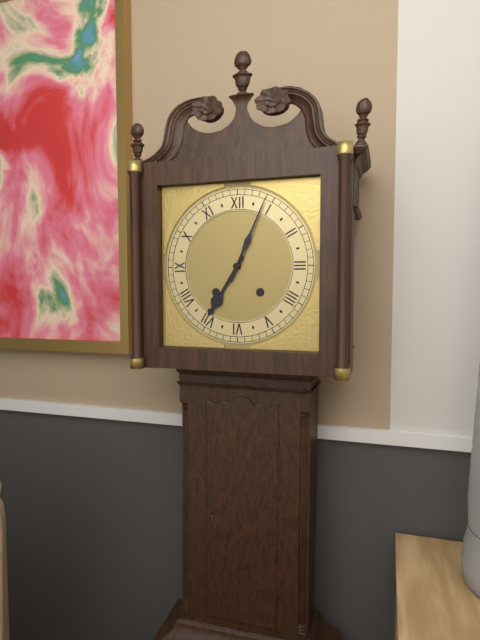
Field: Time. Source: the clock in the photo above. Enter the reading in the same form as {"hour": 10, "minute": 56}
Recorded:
{"hour": 7, "minute": 4}
